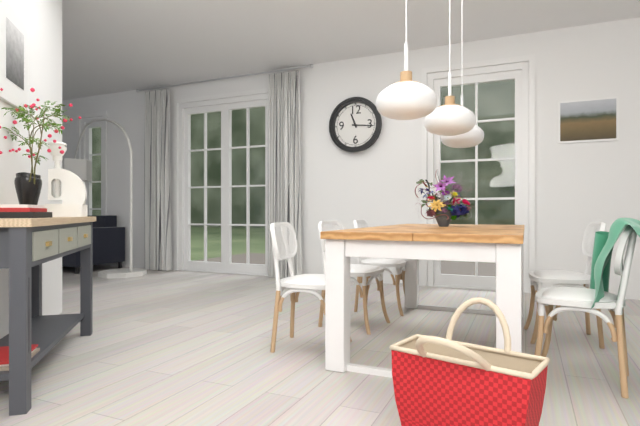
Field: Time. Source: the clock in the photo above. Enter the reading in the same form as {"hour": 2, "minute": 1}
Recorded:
{"hour": 11, "minute": 16}
